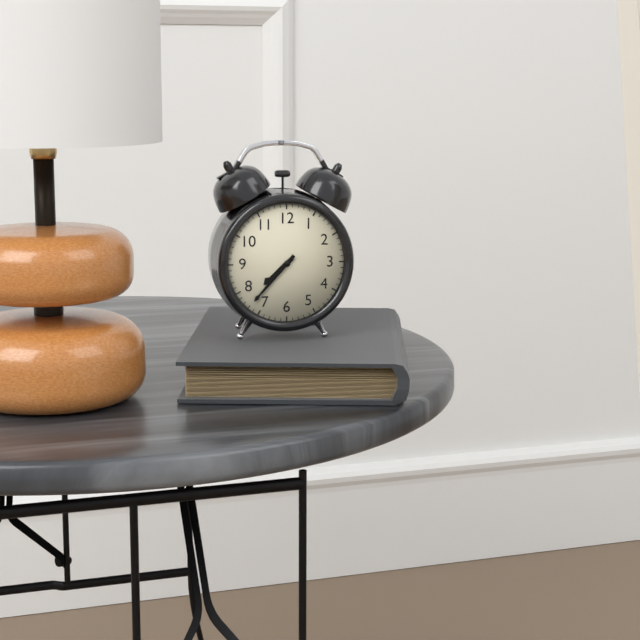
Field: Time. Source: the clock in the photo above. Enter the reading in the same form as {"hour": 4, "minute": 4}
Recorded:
{"hour": 7, "minute": 37}
